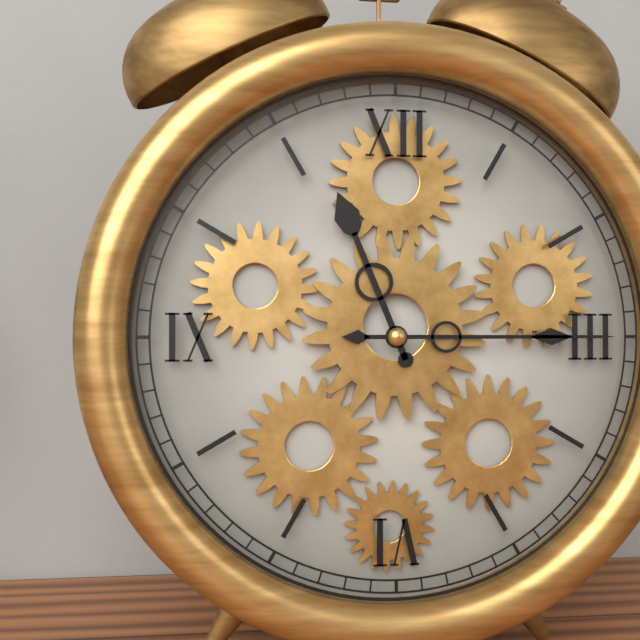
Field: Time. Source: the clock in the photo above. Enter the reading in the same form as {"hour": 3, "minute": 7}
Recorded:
{"hour": 11, "minute": 15}
